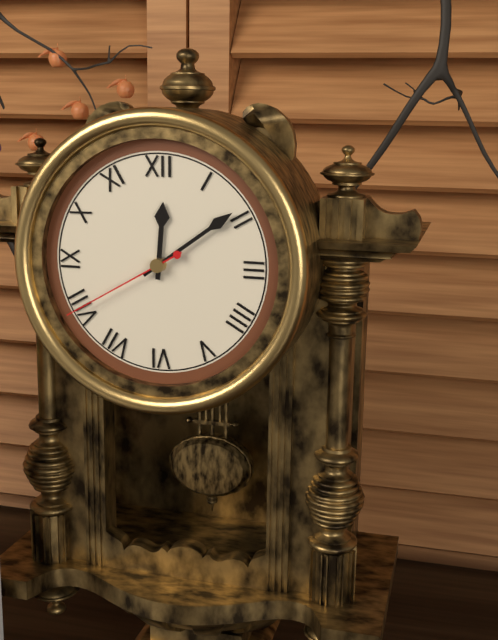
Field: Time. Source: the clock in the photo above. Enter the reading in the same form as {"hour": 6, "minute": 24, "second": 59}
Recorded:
{"hour": 12, "minute": 9, "second": 40}
